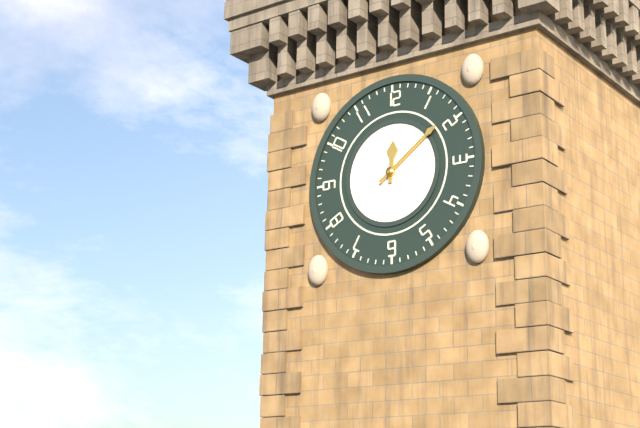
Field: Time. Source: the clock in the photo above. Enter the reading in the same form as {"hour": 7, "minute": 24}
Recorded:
{"hour": 12, "minute": 9}
